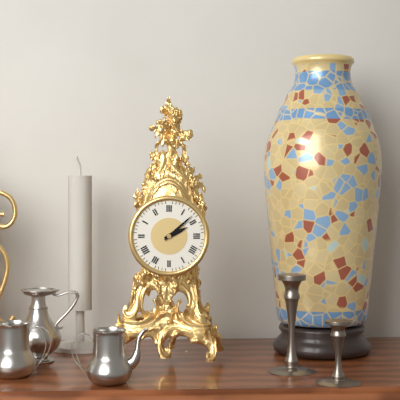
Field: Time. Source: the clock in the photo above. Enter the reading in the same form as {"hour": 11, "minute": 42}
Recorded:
{"hour": 2, "minute": 8}
